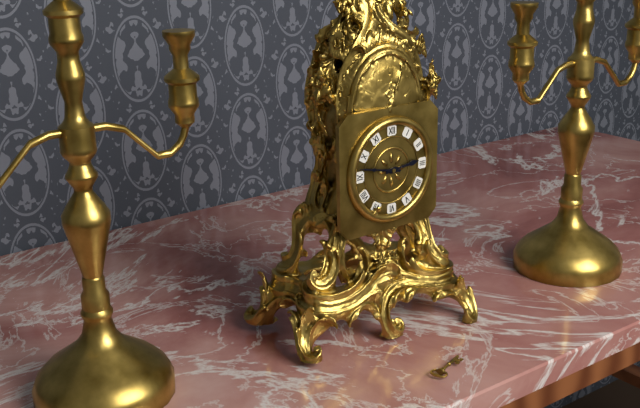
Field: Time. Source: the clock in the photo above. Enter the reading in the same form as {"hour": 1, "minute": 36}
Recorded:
{"hour": 2, "minute": 47}
